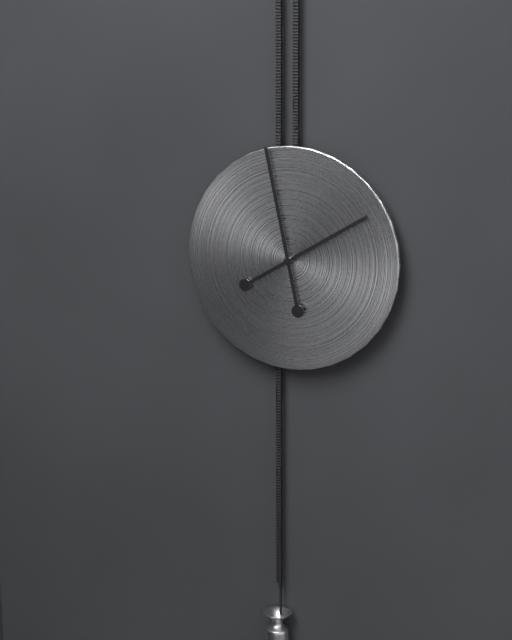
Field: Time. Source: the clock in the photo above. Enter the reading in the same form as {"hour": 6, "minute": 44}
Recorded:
{"hour": 1, "minute": 58}
